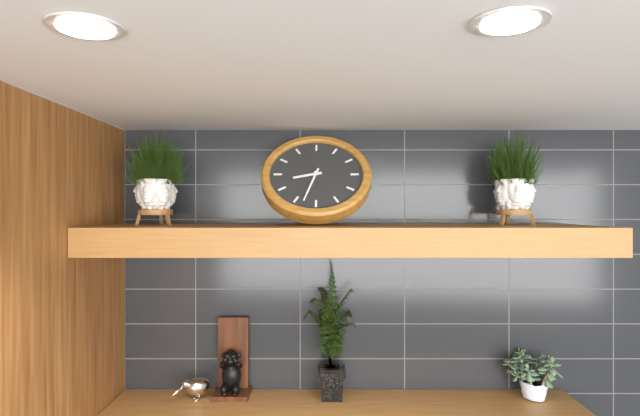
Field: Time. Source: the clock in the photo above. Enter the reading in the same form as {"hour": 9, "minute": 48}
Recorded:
{"hour": 8, "minute": 33}
